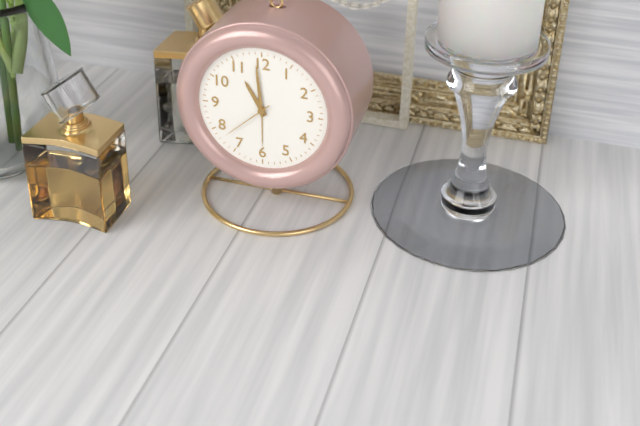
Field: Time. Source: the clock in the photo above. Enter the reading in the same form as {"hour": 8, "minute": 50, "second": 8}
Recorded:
{"hour": 10, "minute": 59, "second": 38}
